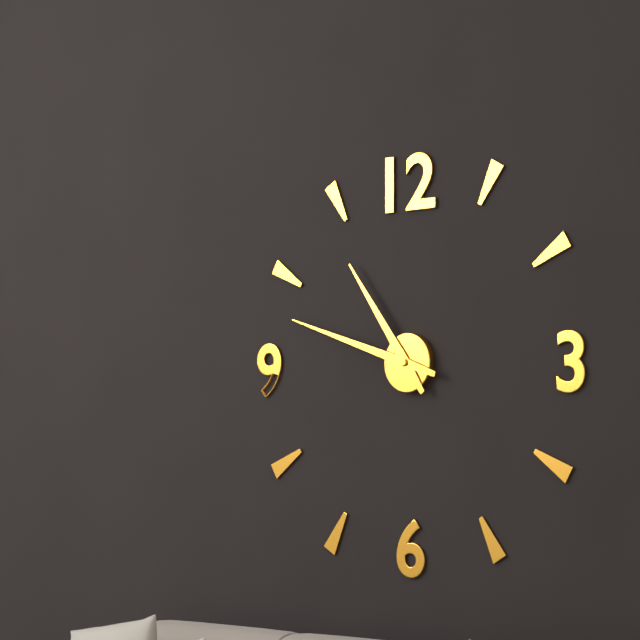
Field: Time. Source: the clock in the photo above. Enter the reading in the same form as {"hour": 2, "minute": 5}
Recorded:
{"hour": 10, "minute": 48}
